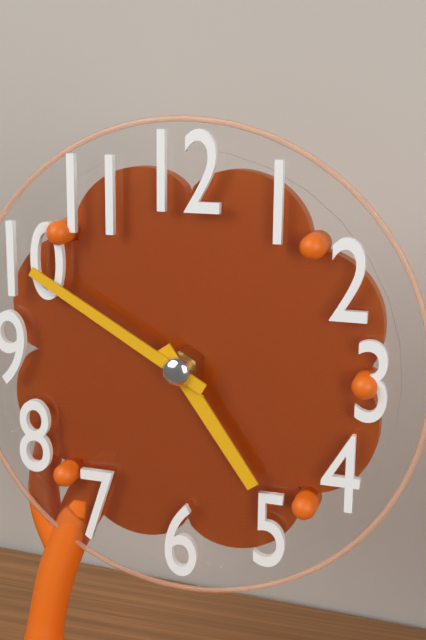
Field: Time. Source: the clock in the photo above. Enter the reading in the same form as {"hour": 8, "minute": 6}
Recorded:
{"hour": 4, "minute": 50}
